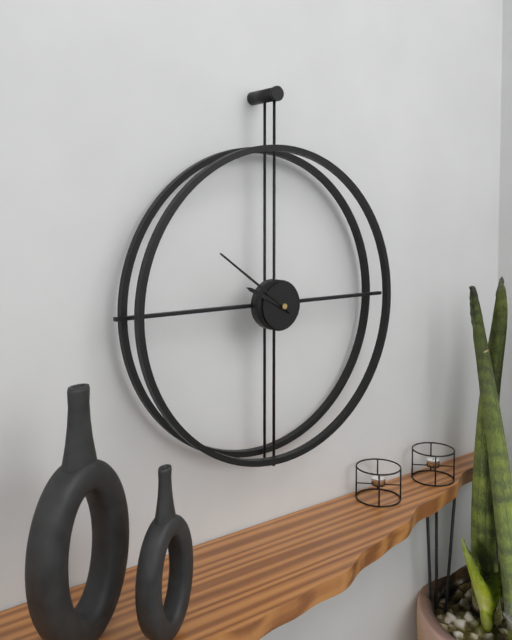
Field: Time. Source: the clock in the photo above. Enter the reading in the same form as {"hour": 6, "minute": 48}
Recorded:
{"hour": 9, "minute": 51}
